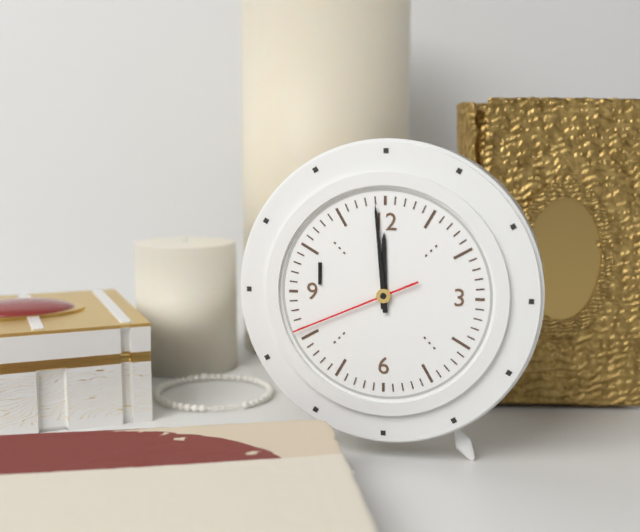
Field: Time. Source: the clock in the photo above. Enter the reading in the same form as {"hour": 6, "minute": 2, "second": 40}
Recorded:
{"hour": 11, "minute": 59, "second": 41}
